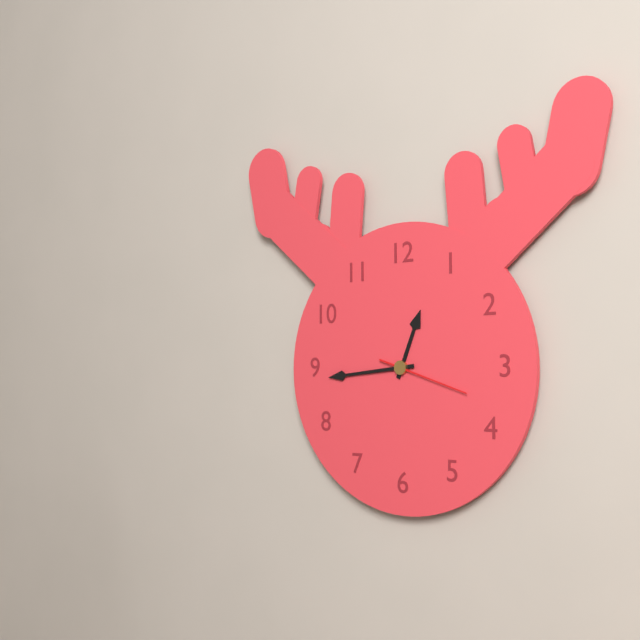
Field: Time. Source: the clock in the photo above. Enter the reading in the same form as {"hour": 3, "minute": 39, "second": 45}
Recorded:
{"hour": 12, "minute": 44, "second": 18}
